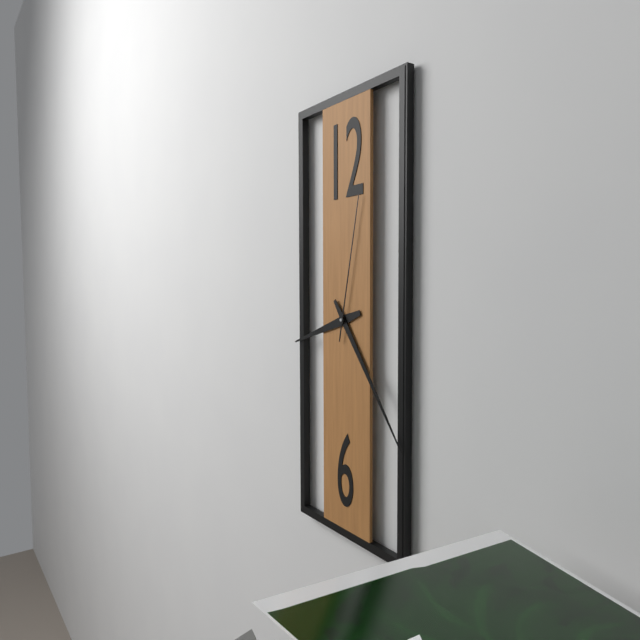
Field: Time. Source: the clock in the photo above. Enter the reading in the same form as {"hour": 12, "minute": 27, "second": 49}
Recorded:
{"hour": 8, "minute": 24, "second": 2}
